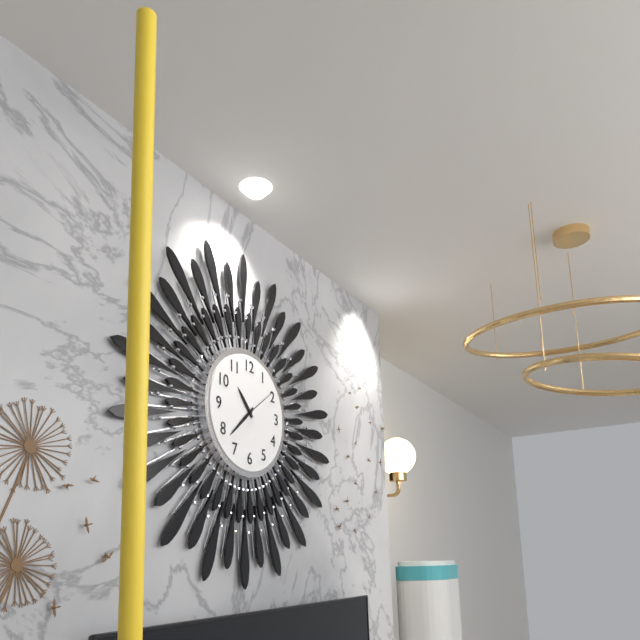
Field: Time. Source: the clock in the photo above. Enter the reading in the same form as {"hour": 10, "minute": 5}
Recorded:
{"hour": 10, "minute": 38}
